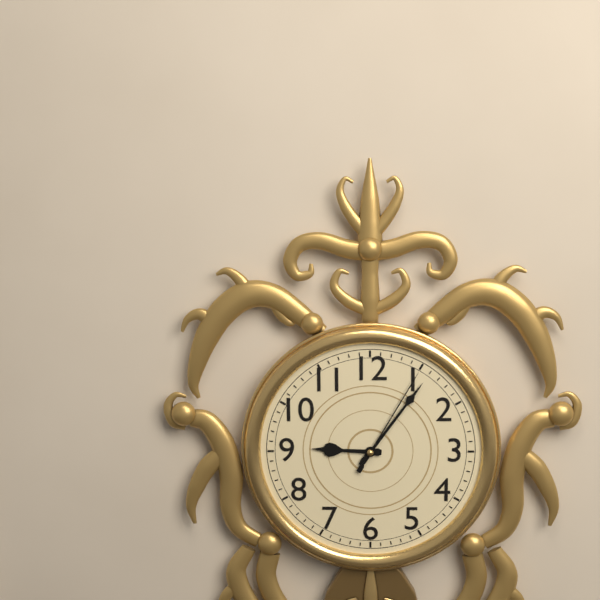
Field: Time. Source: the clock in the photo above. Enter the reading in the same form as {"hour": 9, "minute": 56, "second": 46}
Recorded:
{"hour": 9, "minute": 6, "second": 5}
